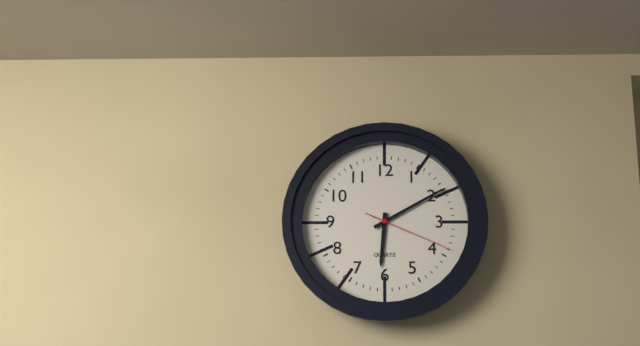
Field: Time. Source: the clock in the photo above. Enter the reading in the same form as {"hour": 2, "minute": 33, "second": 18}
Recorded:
{"hour": 6, "minute": 10, "second": 19}
